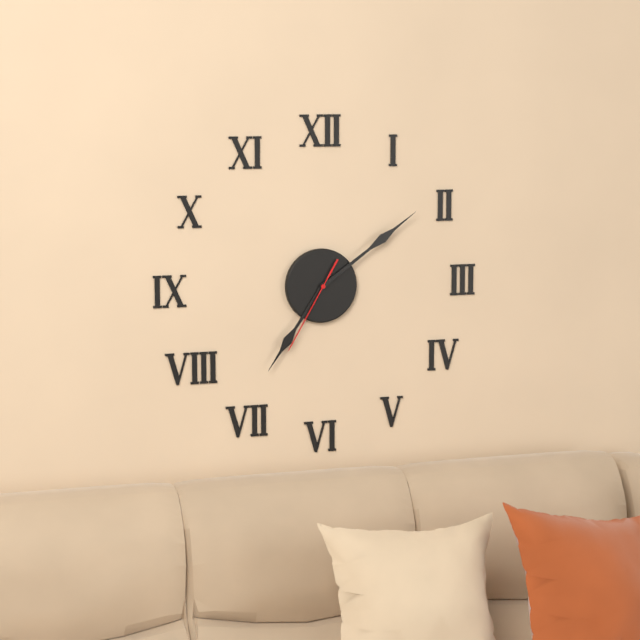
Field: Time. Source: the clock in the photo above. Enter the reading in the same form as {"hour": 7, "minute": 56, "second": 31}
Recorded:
{"hour": 7, "minute": 9, "second": 35}
